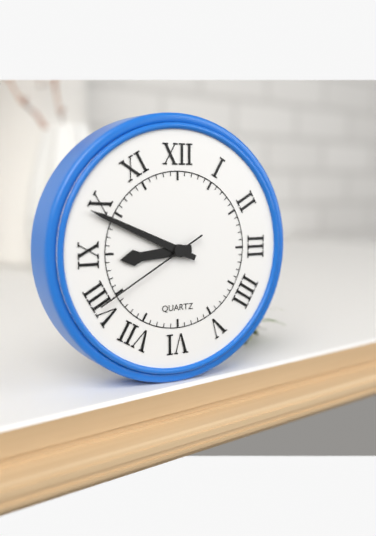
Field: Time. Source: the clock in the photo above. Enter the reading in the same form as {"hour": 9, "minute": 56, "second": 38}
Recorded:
{"hour": 8, "minute": 49, "second": 40}
